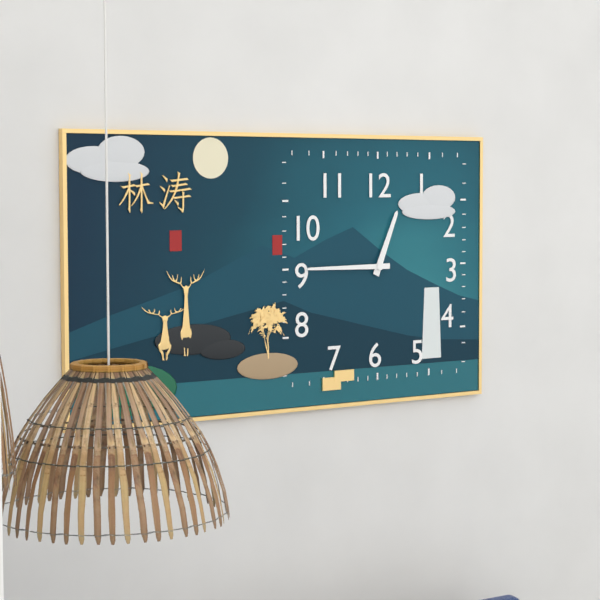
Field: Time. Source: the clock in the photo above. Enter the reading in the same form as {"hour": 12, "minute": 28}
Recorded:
{"hour": 12, "minute": 45}
